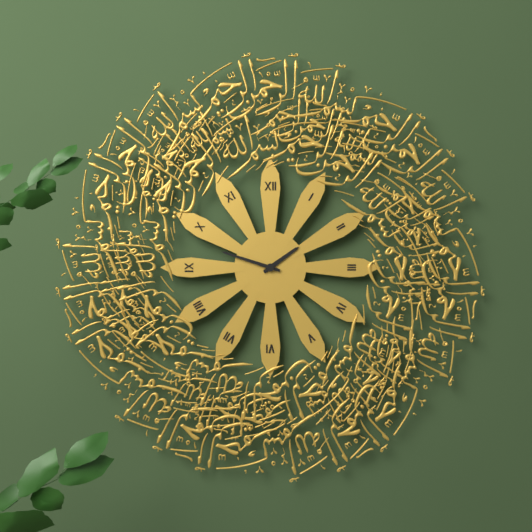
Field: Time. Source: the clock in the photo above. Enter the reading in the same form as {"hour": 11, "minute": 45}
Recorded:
{"hour": 1, "minute": 48}
